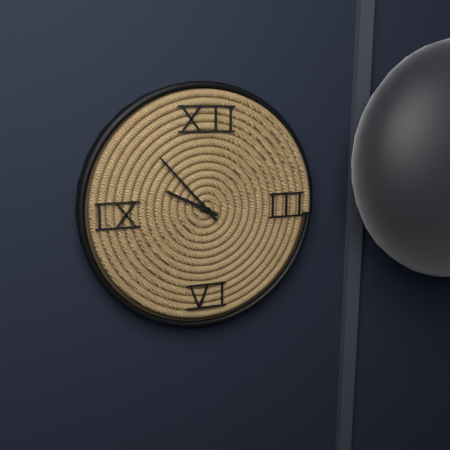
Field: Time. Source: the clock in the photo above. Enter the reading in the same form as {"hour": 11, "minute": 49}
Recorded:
{"hour": 9, "minute": 53}
